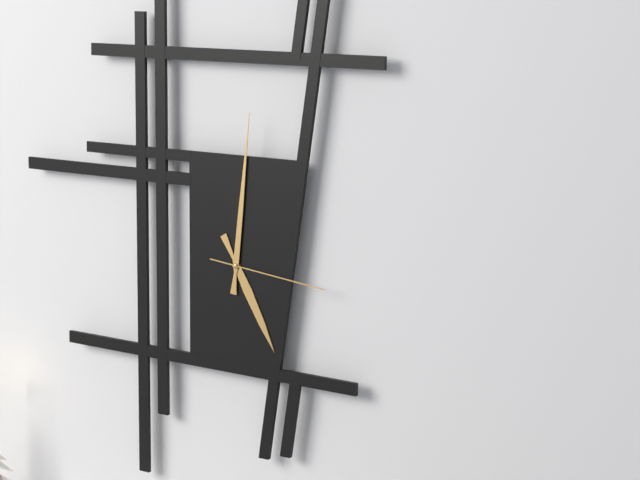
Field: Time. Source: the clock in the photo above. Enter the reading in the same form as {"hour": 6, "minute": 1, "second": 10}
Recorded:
{"hour": 5, "minute": 1, "second": 16}
